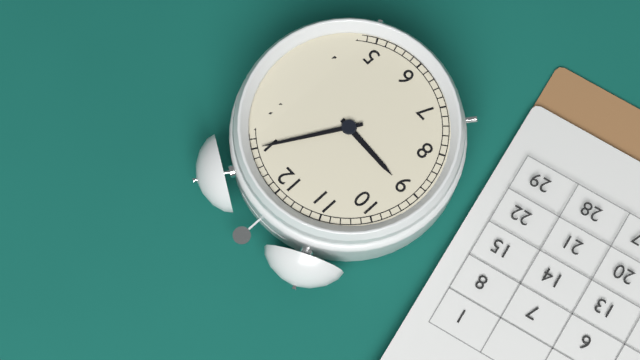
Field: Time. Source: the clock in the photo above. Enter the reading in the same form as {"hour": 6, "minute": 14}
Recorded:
{"hour": 9, "minute": 5}
